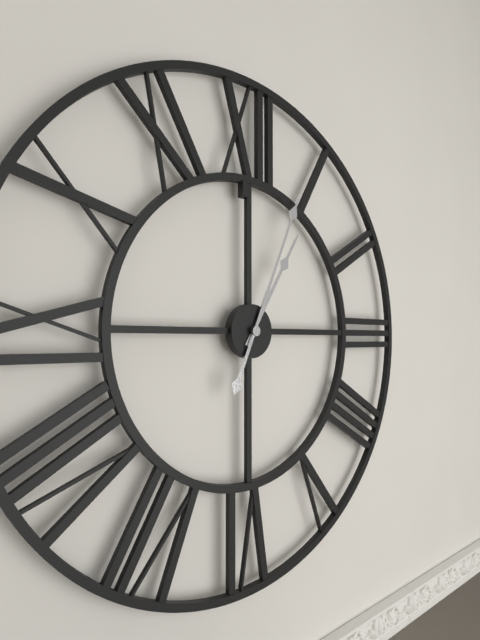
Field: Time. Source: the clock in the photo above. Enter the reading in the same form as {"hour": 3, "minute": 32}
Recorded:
{"hour": 1, "minute": 4}
